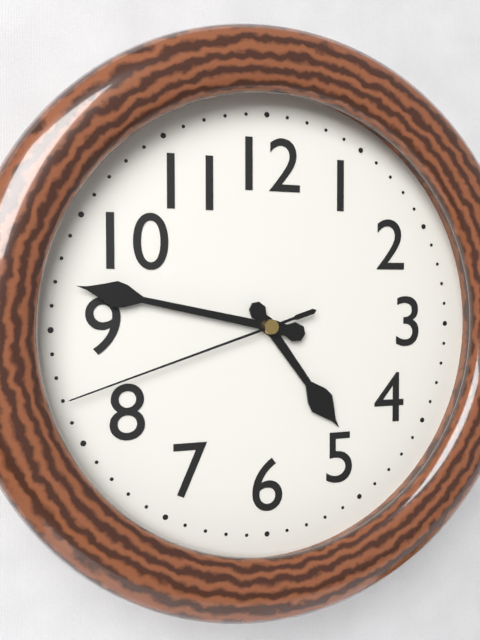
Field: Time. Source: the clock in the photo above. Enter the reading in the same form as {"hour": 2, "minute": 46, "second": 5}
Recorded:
{"hour": 4, "minute": 47, "second": 42}
